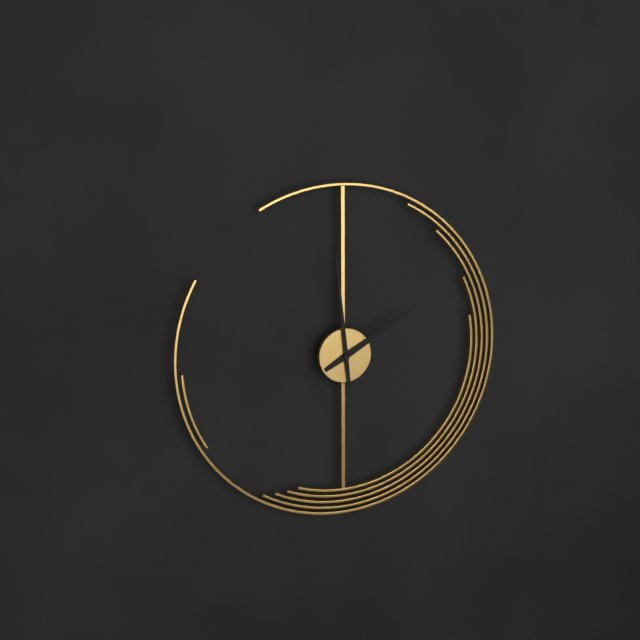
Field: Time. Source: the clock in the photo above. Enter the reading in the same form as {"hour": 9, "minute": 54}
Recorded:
{"hour": 1, "minute": 59}
